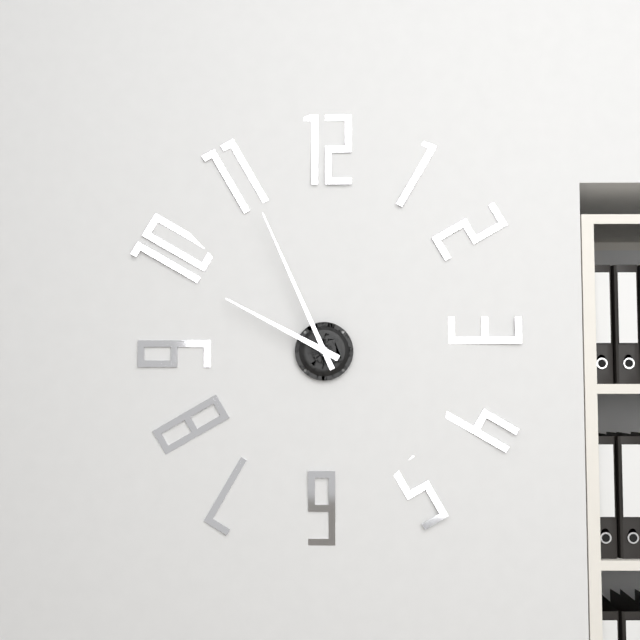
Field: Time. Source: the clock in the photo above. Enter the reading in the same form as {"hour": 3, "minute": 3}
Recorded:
{"hour": 9, "minute": 56}
